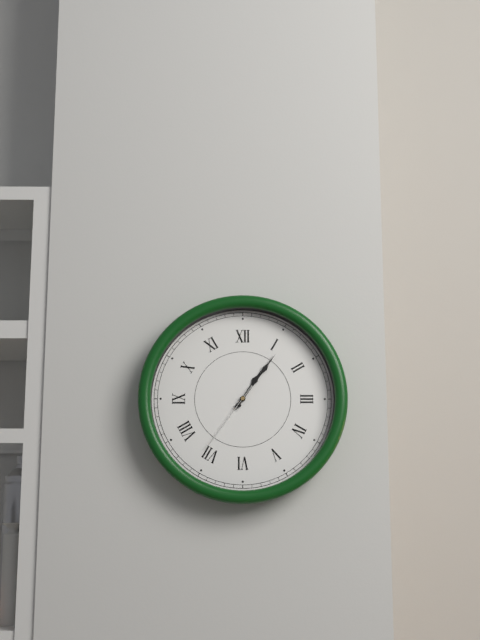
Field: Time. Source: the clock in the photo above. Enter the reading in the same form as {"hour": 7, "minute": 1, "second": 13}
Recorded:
{"hour": 1, "minute": 6, "second": 36}
